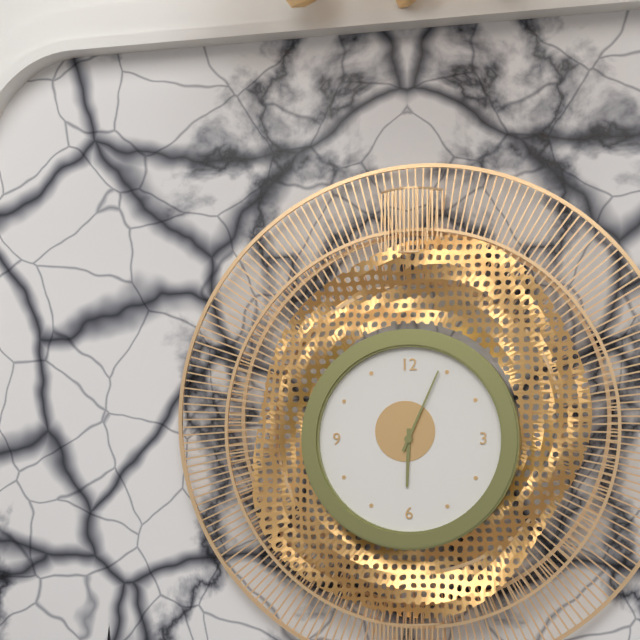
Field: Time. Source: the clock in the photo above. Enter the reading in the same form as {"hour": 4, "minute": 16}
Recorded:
{"hour": 6, "minute": 4}
